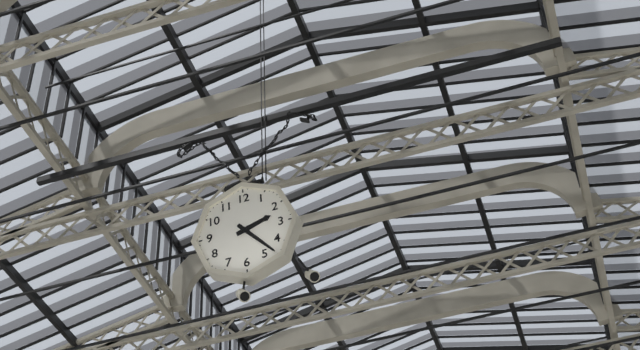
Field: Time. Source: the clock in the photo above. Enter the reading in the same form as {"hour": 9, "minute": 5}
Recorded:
{"hour": 2, "minute": 23}
